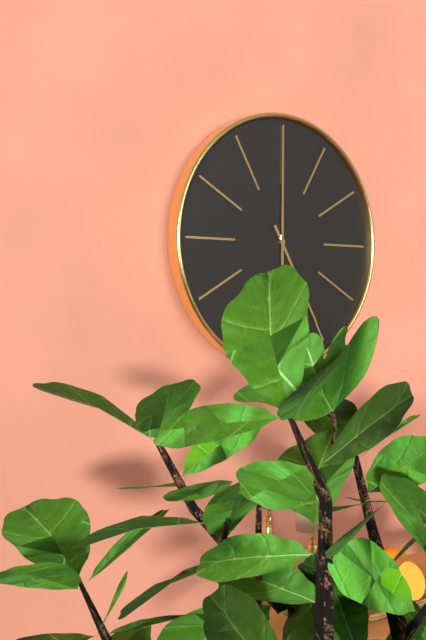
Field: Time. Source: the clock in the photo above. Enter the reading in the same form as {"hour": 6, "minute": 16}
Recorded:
{"hour": 5, "minute": 0}
